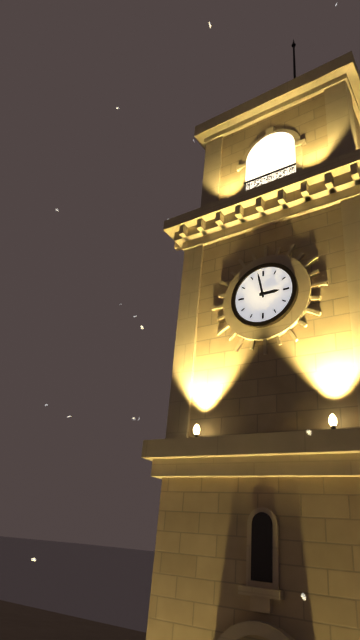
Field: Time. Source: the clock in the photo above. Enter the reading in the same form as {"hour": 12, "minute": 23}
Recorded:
{"hour": 2, "minute": 58}
